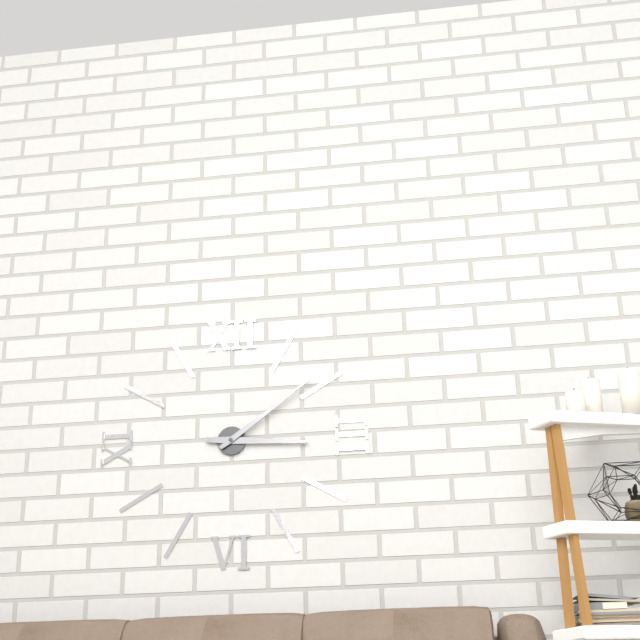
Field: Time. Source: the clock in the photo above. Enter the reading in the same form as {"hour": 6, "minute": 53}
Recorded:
{"hour": 3, "minute": 9}
